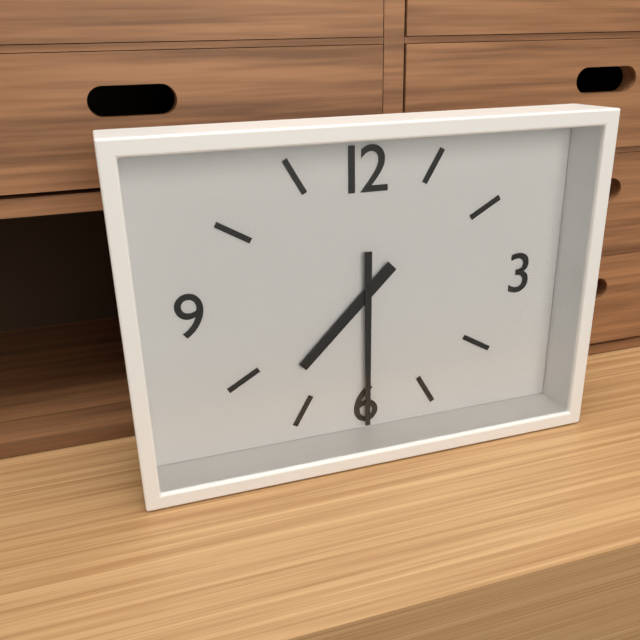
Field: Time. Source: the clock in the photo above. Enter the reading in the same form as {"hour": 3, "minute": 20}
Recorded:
{"hour": 7, "minute": 30}
